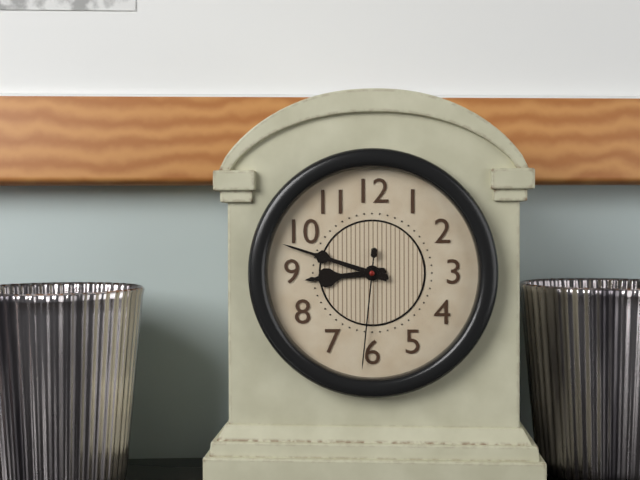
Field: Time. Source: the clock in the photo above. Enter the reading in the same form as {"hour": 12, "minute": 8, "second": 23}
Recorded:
{"hour": 8, "minute": 48, "second": 31}
